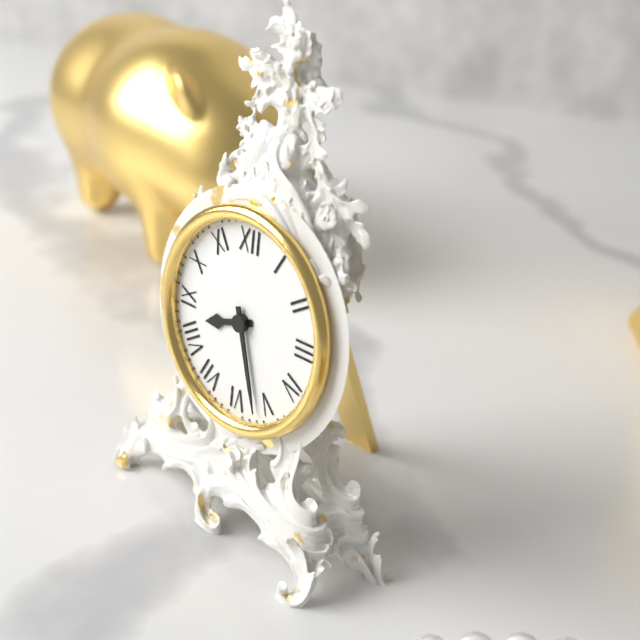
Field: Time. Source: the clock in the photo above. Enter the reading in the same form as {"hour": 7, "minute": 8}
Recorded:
{"hour": 8, "minute": 27}
